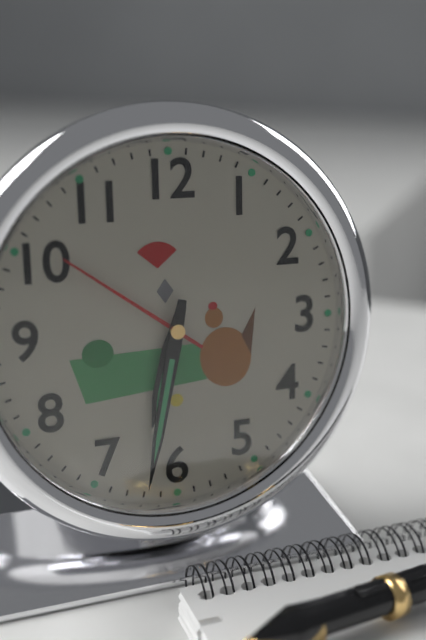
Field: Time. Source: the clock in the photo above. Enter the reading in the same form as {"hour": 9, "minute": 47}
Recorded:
{"hour": 6, "minute": 32}
